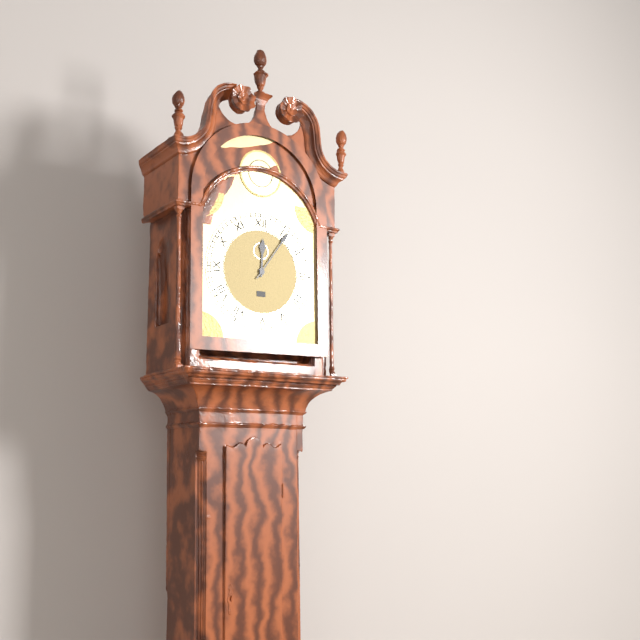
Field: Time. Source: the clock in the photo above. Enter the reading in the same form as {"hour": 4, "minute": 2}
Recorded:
{"hour": 12, "minute": 6}
